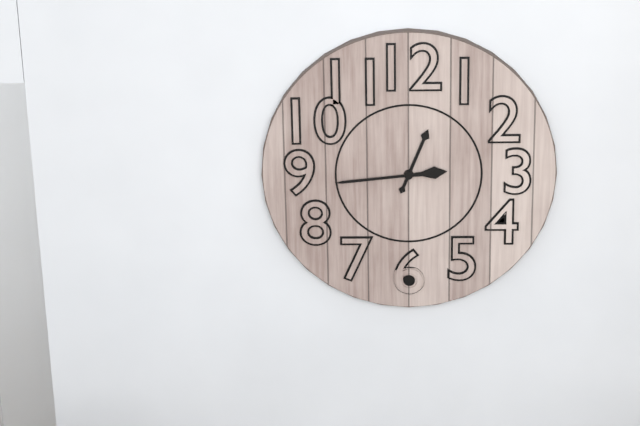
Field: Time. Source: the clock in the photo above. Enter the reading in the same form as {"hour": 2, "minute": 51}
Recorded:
{"hour": 12, "minute": 44}
